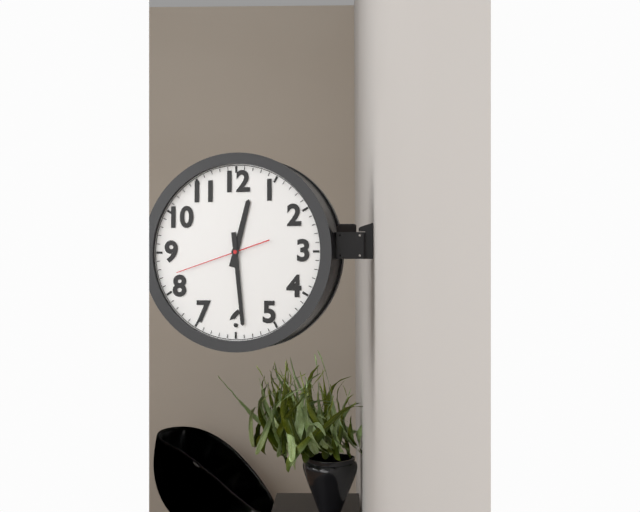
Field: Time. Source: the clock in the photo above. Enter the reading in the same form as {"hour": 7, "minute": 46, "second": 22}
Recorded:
{"hour": 12, "minute": 29, "second": 42}
